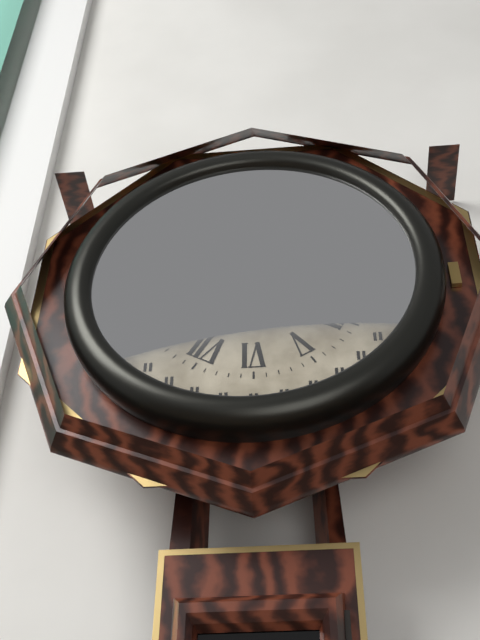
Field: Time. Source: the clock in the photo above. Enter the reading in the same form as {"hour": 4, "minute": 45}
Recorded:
{"hour": 1, "minute": 12}
